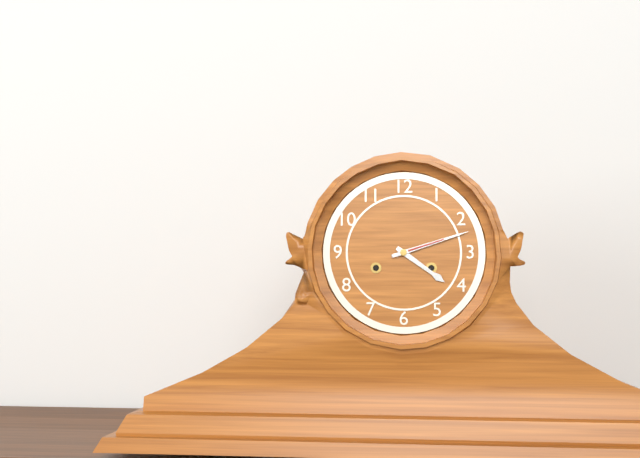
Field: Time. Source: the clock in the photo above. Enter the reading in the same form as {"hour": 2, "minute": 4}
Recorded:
{"hour": 4, "minute": 12}
